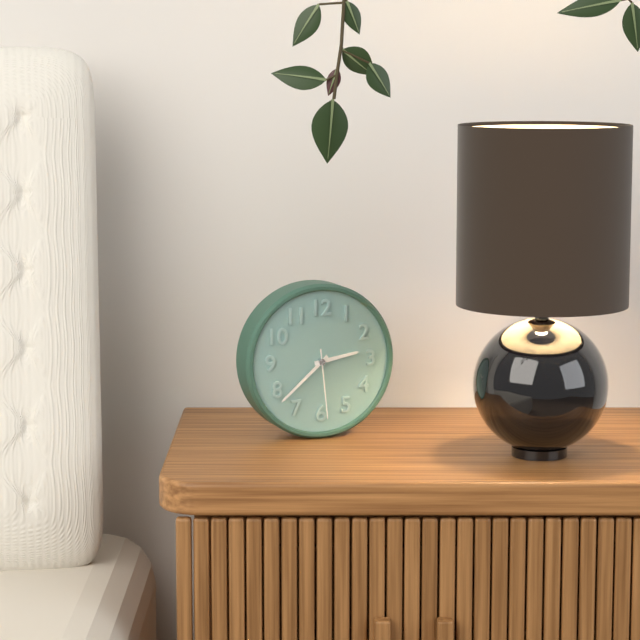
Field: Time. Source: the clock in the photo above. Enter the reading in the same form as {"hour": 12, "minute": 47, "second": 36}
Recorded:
{"hour": 2, "minute": 38, "second": 29}
